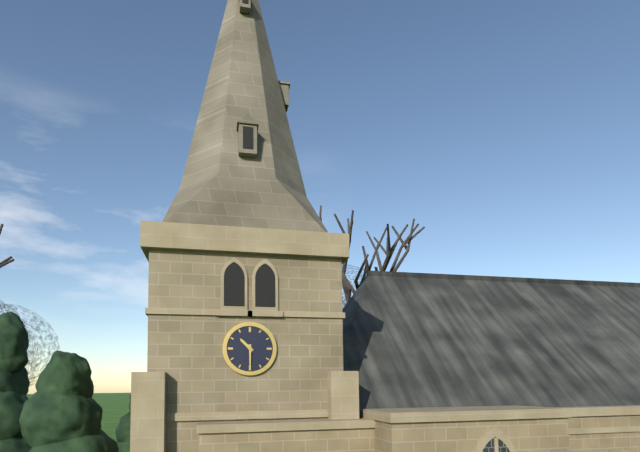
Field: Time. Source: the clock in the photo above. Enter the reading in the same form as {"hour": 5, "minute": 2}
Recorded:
{"hour": 10, "minute": 30}
